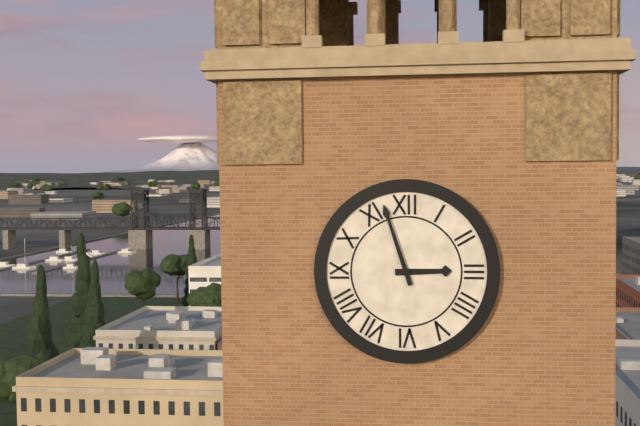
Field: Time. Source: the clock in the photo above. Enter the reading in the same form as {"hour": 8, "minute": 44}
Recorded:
{"hour": 2, "minute": 57}
